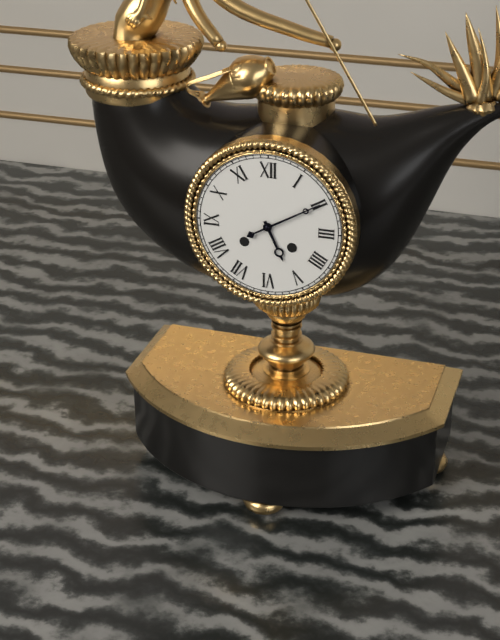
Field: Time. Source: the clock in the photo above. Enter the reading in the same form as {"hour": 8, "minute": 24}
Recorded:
{"hour": 5, "minute": 10}
